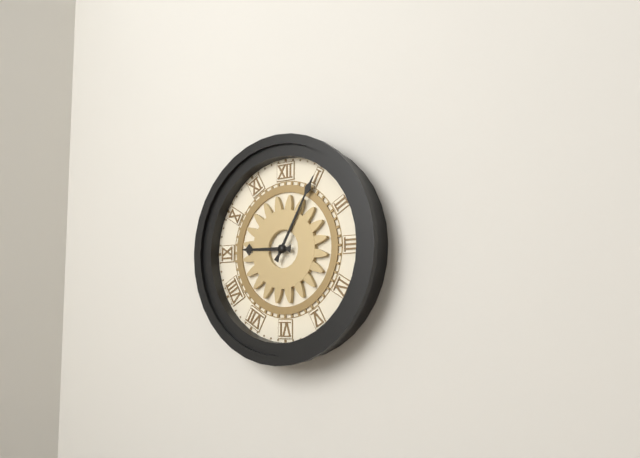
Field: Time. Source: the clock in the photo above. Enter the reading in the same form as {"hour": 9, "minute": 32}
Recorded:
{"hour": 9, "minute": 5}
